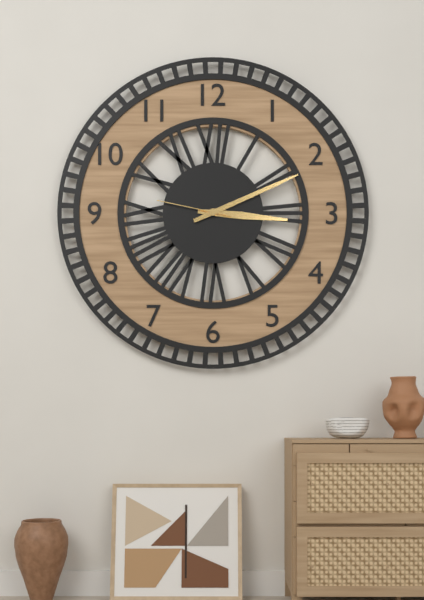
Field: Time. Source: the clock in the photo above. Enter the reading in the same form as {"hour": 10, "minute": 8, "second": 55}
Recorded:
{"hour": 3, "minute": 11, "second": 47}
